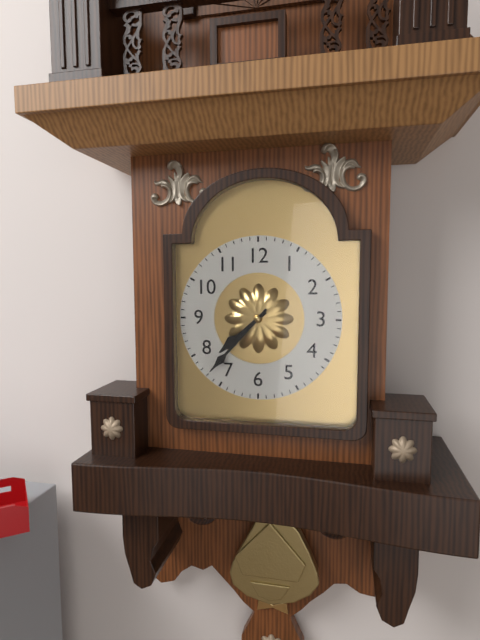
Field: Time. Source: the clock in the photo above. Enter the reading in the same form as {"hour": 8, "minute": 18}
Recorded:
{"hour": 7, "minute": 37}
